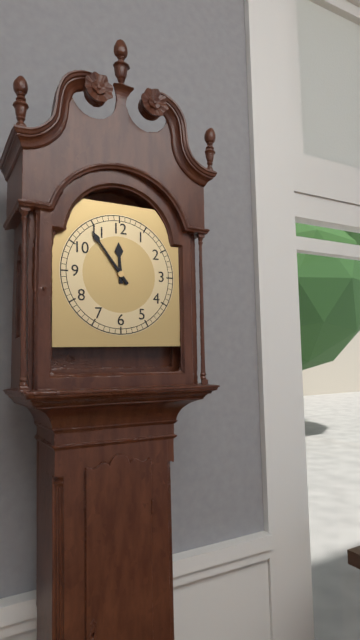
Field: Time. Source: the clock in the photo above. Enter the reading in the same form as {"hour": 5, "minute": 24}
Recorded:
{"hour": 11, "minute": 54}
